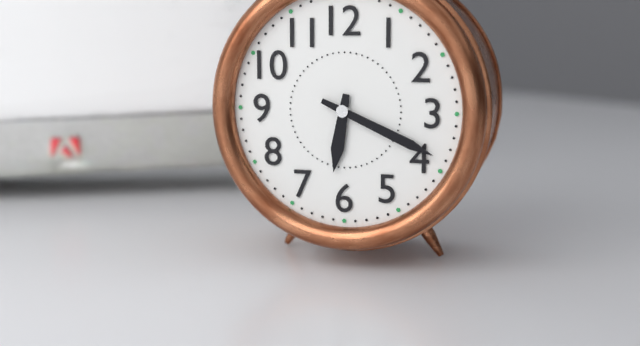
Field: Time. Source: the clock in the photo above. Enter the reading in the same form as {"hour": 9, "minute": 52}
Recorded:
{"hour": 6, "minute": 19}
